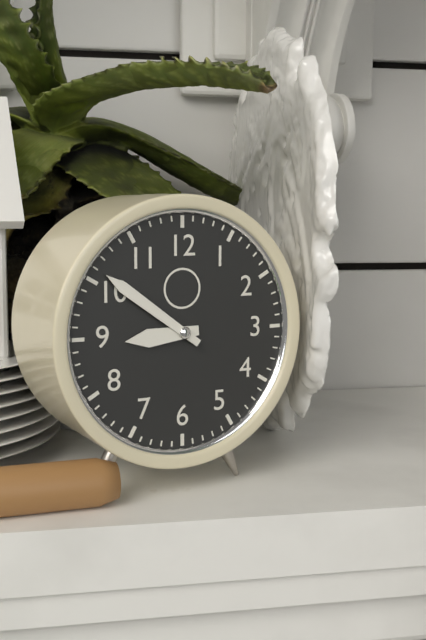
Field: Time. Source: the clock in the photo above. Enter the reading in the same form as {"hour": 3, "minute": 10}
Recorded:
{"hour": 8, "minute": 51}
